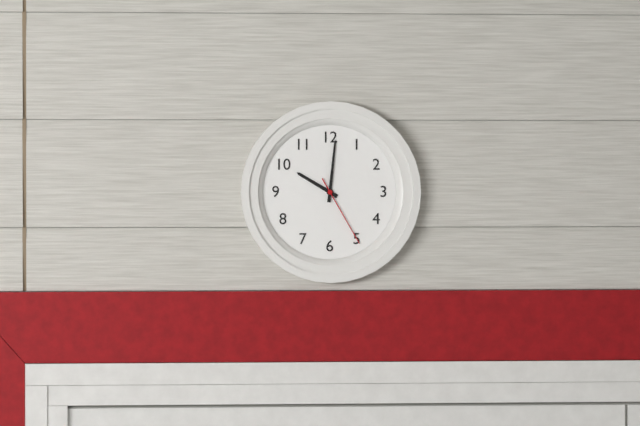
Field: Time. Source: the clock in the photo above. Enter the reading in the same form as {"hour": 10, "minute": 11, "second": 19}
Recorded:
{"hour": 10, "minute": 1, "second": 25}
